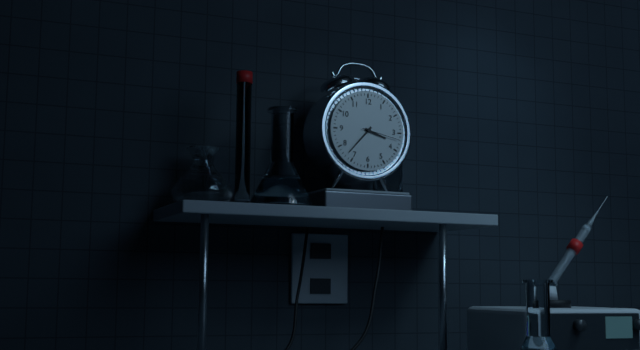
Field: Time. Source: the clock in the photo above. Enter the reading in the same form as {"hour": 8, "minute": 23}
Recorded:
{"hour": 3, "minute": 37}
